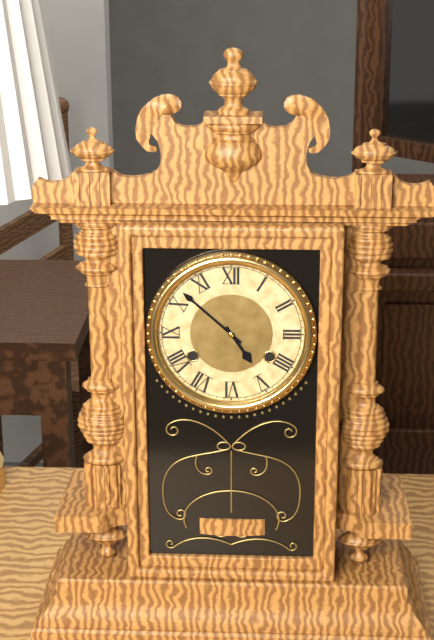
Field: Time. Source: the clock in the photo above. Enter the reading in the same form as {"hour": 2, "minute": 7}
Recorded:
{"hour": 4, "minute": 52}
